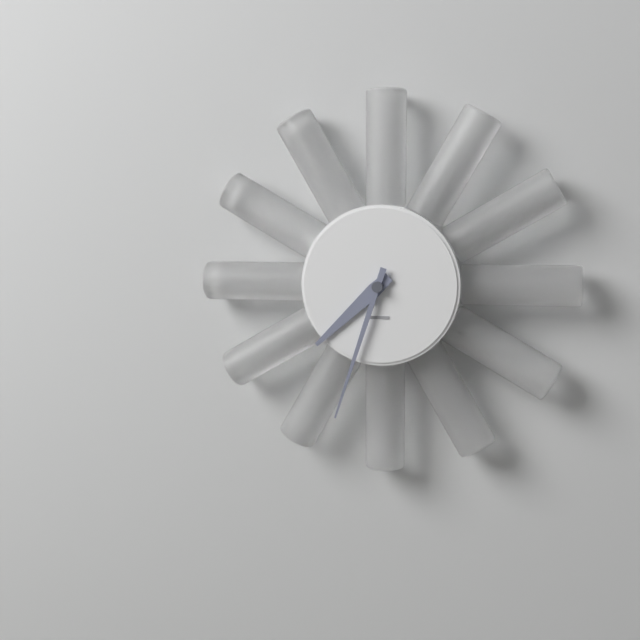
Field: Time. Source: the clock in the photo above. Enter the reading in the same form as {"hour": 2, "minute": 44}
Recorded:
{"hour": 7, "minute": 33}
